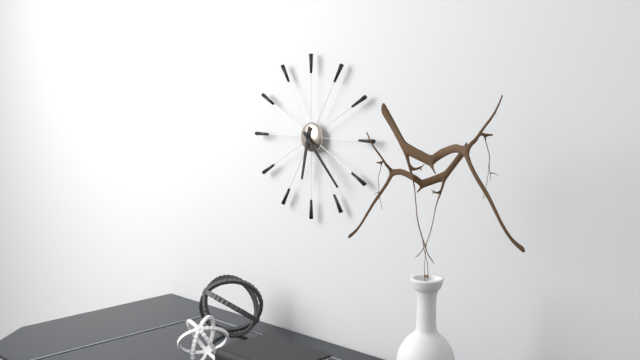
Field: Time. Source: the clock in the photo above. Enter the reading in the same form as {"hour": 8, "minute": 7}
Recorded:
{"hour": 6, "minute": 23}
